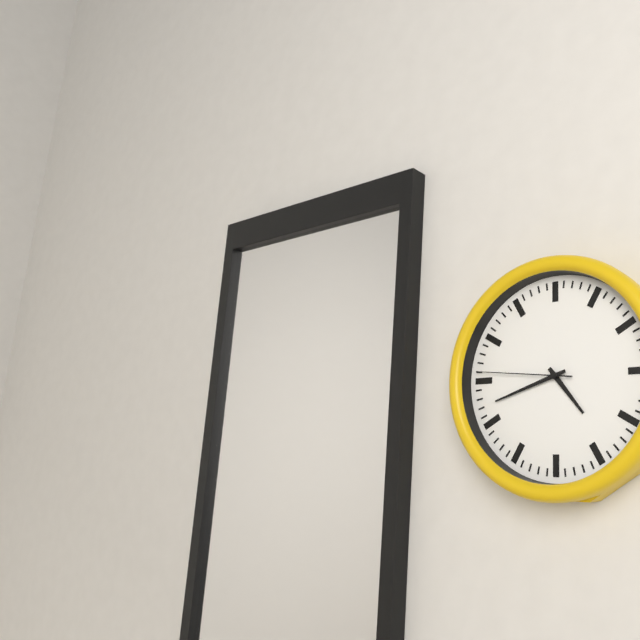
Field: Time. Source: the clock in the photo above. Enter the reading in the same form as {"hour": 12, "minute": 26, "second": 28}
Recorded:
{"hour": 4, "minute": 42, "second": 46}
